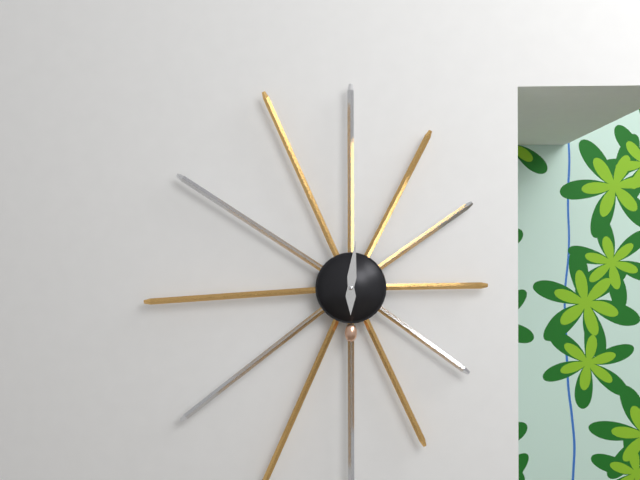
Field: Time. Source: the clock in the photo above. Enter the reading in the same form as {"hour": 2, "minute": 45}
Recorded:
{"hour": 6, "minute": 1}
